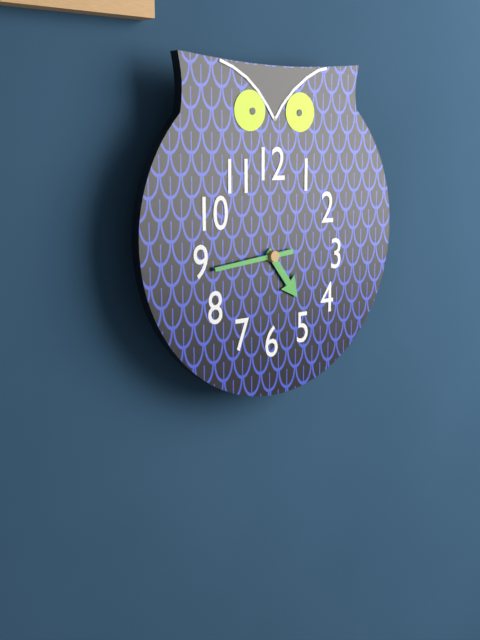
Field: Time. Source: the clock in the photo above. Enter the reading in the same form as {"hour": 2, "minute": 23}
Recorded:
{"hour": 4, "minute": 44}
